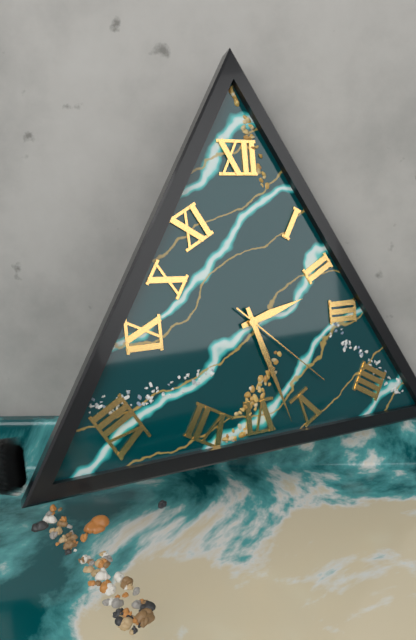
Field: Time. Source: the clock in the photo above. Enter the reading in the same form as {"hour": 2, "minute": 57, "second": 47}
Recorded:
{"hour": 2, "minute": 27, "second": 22}
